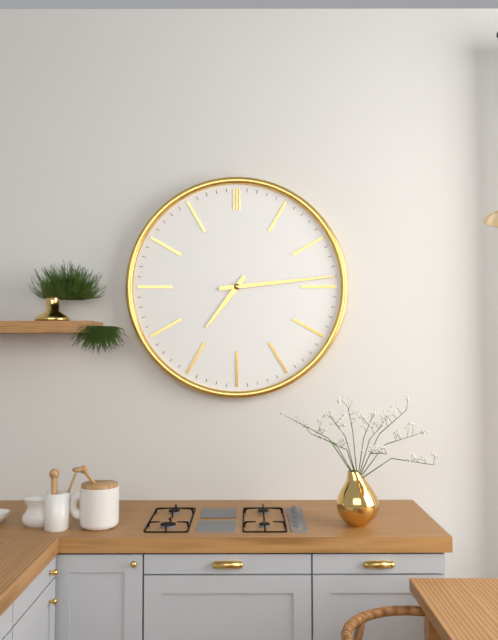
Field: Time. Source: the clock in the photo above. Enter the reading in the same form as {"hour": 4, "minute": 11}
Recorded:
{"hour": 7, "minute": 14}
